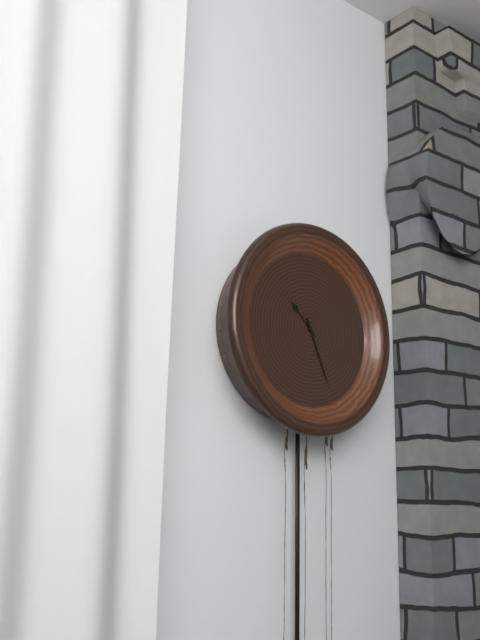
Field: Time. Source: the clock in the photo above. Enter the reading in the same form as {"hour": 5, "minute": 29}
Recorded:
{"hour": 10, "minute": 26}
